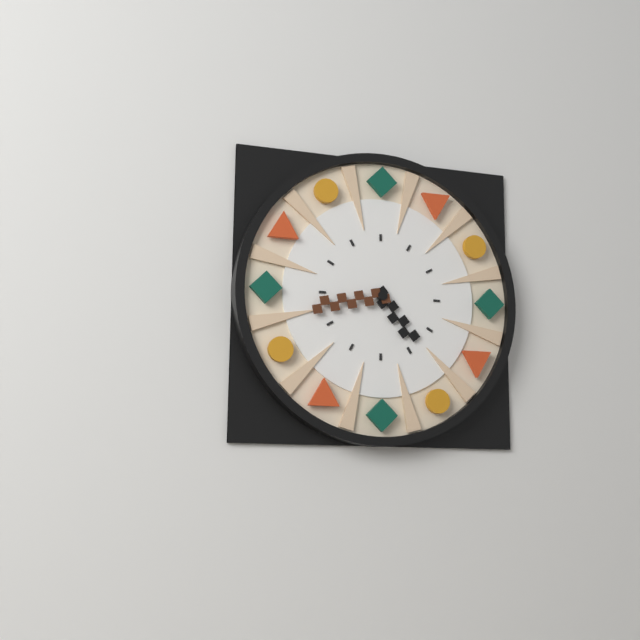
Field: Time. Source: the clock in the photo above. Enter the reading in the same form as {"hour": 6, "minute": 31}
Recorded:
{"hour": 4, "minute": 43}
